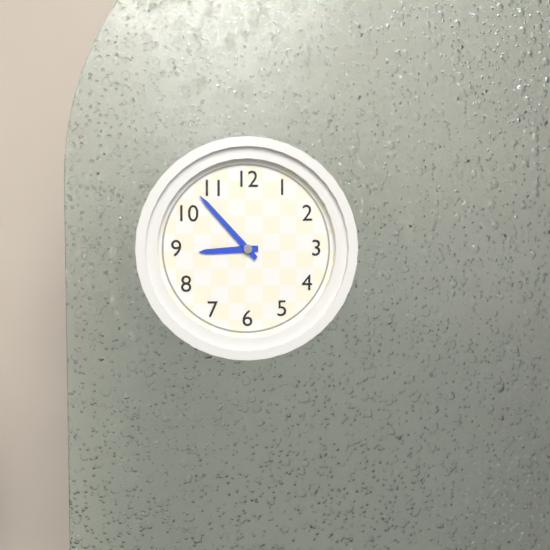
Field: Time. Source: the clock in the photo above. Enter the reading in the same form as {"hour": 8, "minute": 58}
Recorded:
{"hour": 8, "minute": 53}
